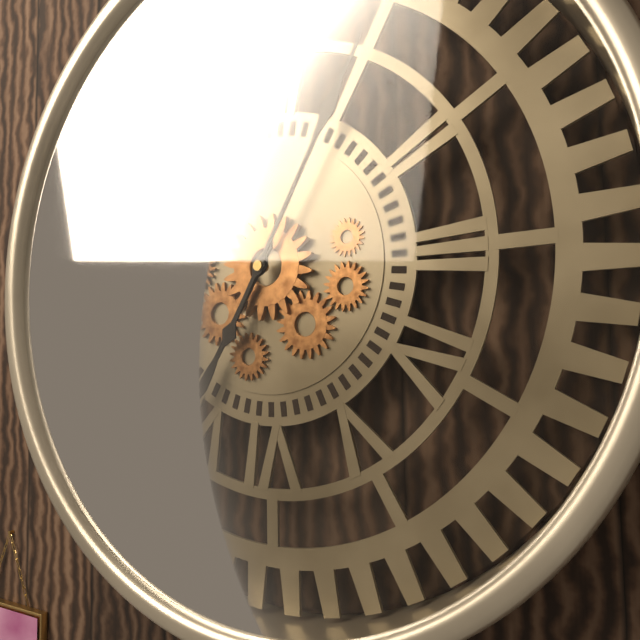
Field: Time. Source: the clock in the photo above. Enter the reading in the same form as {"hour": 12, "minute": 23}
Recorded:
{"hour": 7, "minute": 5}
